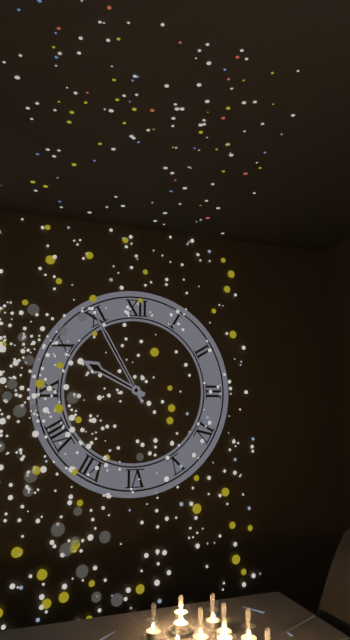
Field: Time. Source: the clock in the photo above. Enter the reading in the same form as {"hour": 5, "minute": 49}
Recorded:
{"hour": 9, "minute": 55}
